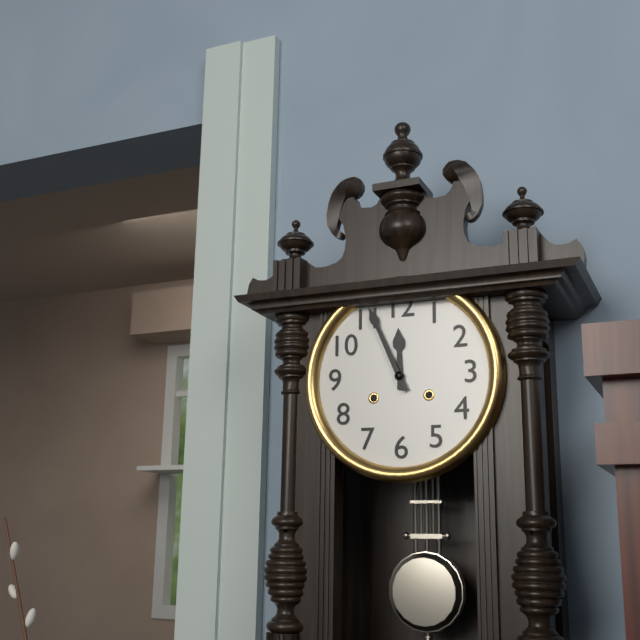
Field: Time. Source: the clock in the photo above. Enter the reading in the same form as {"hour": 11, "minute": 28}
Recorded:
{"hour": 11, "minute": 56}
